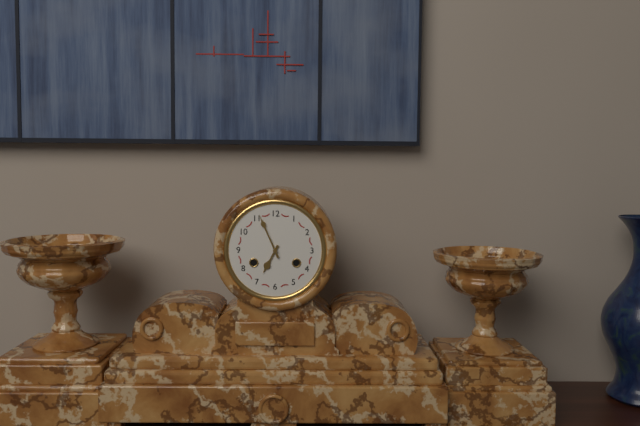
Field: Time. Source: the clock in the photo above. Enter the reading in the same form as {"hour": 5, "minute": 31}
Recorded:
{"hour": 6, "minute": 56}
